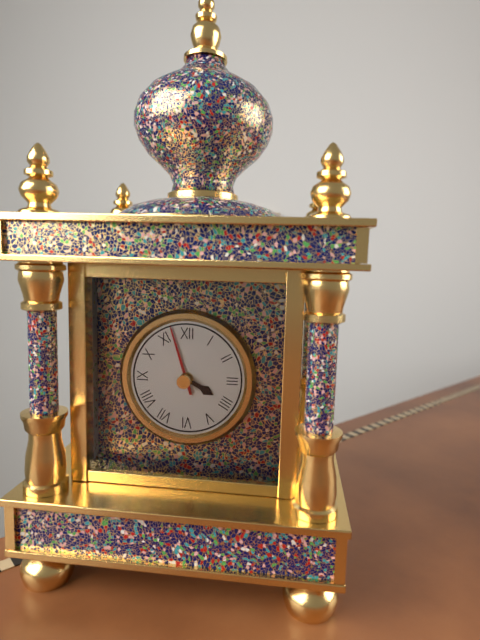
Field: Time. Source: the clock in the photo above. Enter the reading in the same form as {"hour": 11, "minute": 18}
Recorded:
{"hour": 3, "minute": 57}
